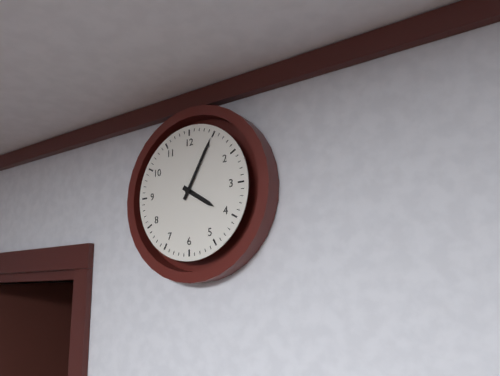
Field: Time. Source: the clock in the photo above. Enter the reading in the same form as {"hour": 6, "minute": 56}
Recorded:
{"hour": 4, "minute": 5}
